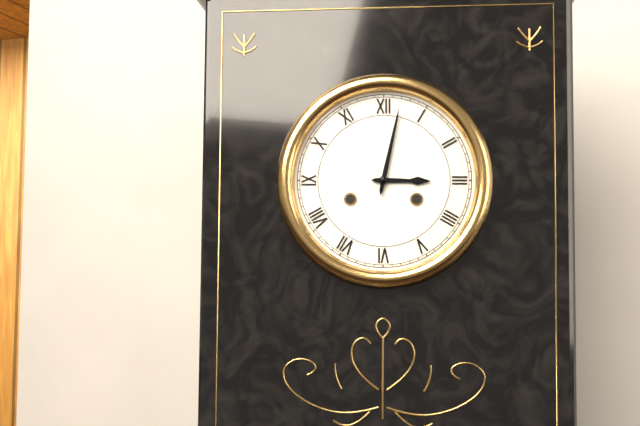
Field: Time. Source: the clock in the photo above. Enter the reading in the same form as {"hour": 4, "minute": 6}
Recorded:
{"hour": 3, "minute": 2}
